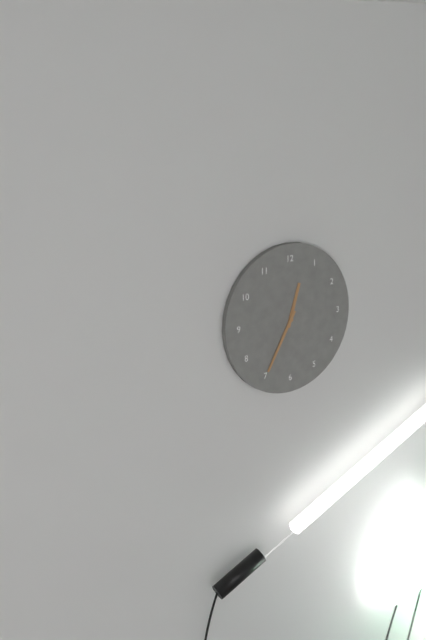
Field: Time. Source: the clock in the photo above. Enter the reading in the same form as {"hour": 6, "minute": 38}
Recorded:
{"hour": 12, "minute": 35}
